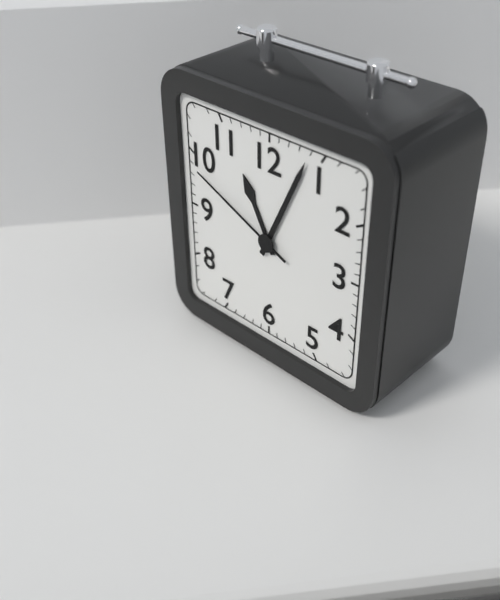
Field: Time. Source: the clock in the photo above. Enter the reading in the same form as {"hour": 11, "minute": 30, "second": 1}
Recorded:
{"hour": 11, "minute": 4, "second": 49}
